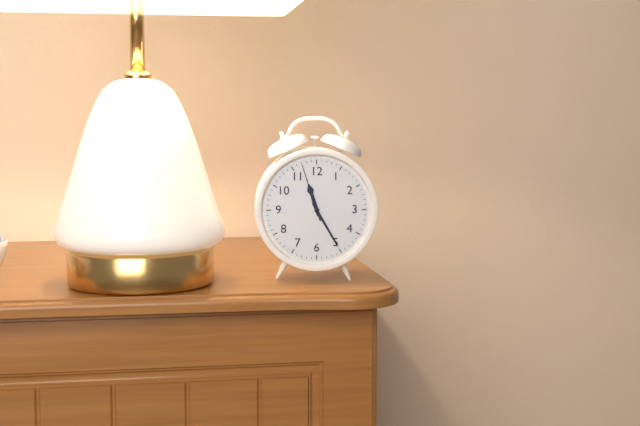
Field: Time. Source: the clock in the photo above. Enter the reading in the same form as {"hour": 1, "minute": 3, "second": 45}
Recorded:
{"hour": 11, "minute": 25, "second": 57}
